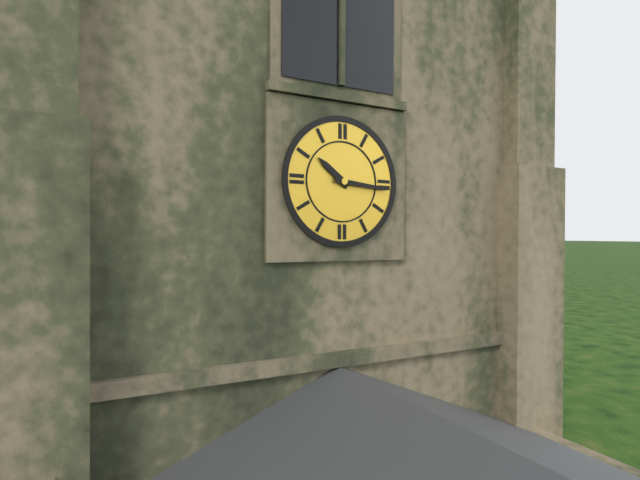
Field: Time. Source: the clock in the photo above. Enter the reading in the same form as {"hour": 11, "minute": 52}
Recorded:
{"hour": 10, "minute": 16}
